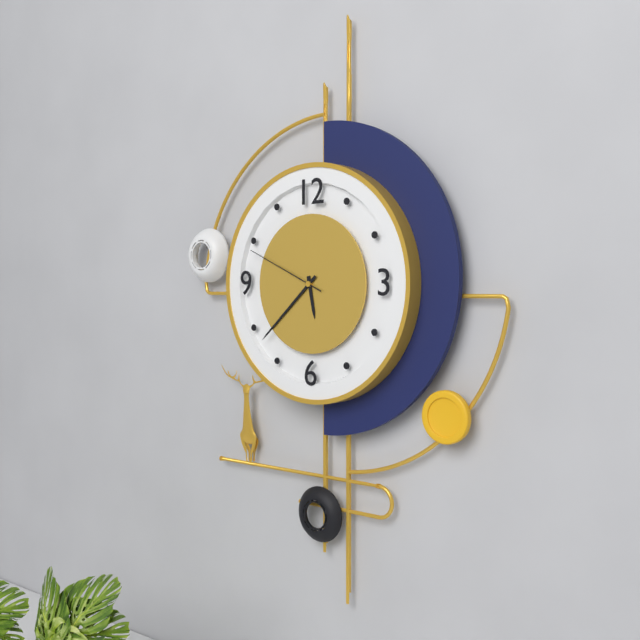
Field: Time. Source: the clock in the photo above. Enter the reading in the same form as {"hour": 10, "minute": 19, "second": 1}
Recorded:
{"hour": 5, "minute": 38, "second": 49}
